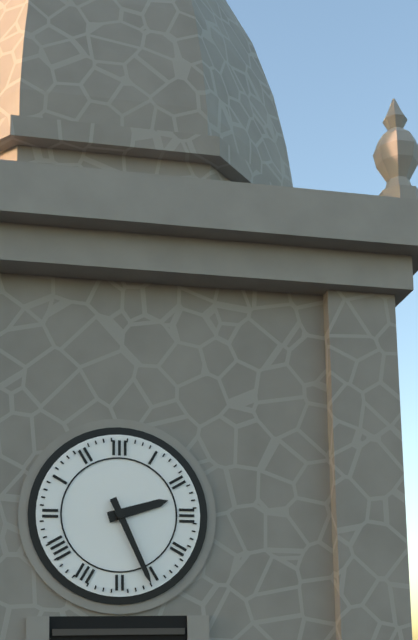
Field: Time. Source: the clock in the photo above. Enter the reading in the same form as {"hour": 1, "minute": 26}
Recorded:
{"hour": 2, "minute": 26}
